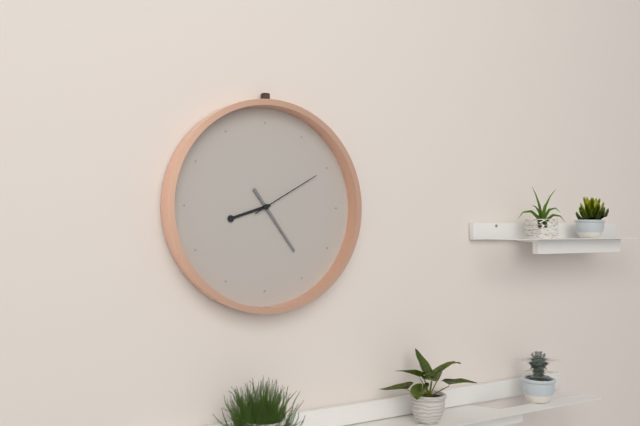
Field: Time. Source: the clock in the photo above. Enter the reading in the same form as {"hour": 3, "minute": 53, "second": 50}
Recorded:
{"hour": 8, "minute": 24, "second": 10}
